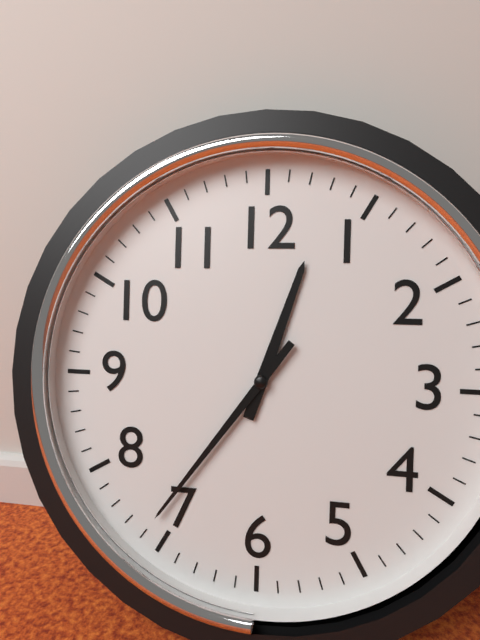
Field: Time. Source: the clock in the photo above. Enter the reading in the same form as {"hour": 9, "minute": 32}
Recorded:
{"hour": 12, "minute": 36}
